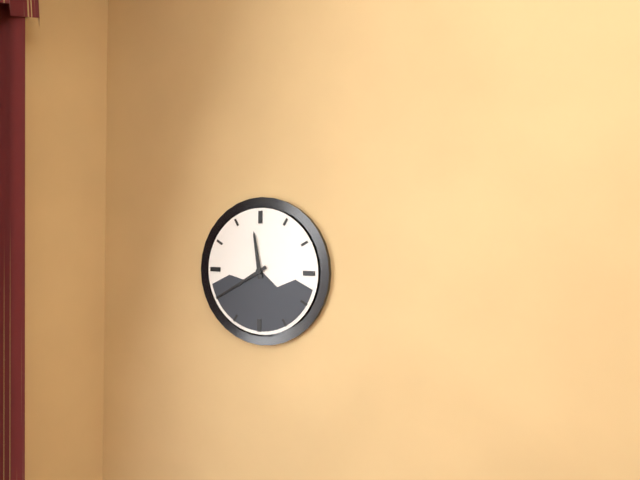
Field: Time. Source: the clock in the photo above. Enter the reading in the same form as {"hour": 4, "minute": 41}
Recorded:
{"hour": 11, "minute": 40}
